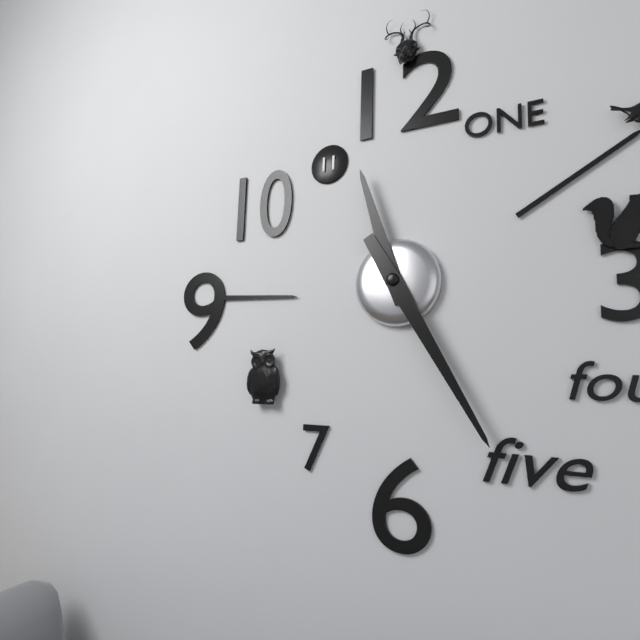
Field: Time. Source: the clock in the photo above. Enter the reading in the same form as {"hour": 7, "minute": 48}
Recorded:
{"hour": 11, "minute": 25}
